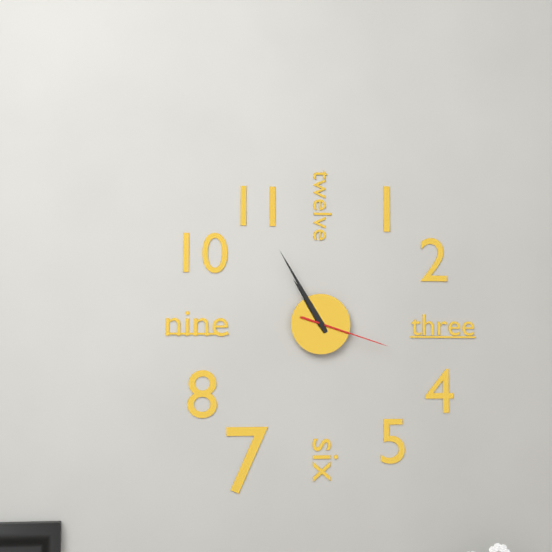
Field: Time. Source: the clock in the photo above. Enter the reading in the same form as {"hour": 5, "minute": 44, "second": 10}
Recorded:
{"hour": 10, "minute": 55, "second": 18}
